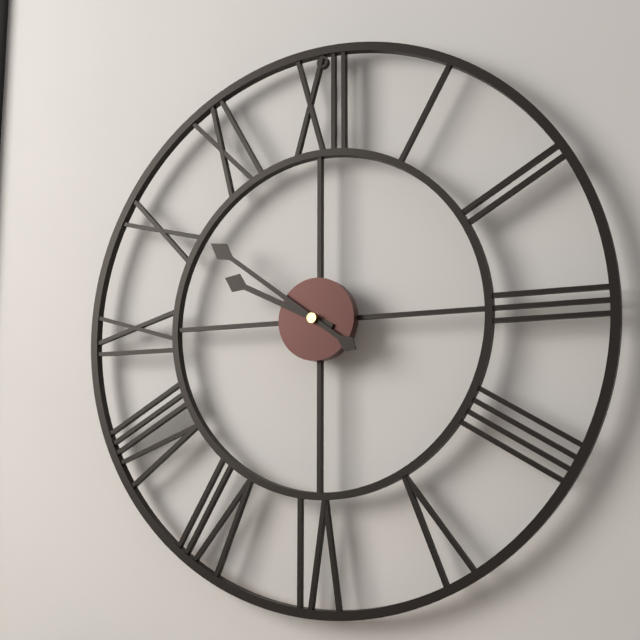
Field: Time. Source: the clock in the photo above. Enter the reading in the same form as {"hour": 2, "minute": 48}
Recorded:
{"hour": 9, "minute": 51}
